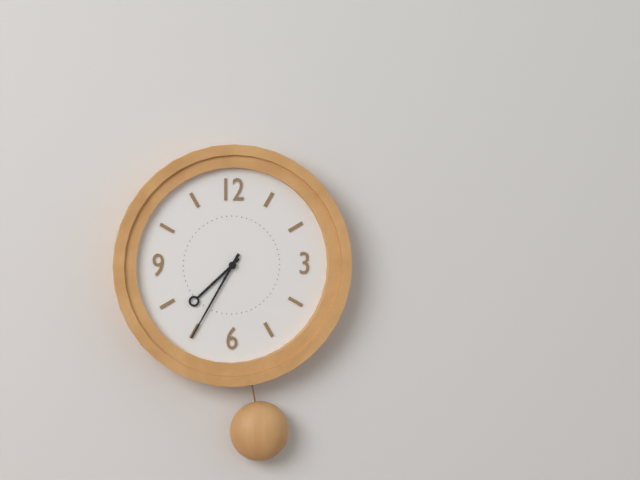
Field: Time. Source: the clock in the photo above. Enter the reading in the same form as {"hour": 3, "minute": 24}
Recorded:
{"hour": 7, "minute": 35}
